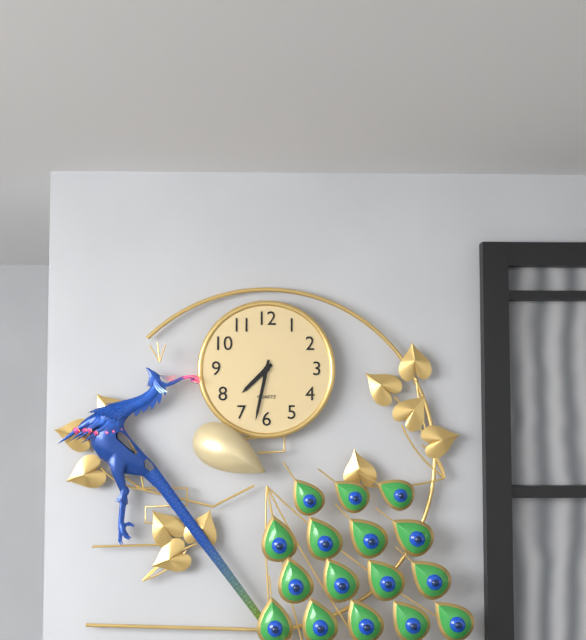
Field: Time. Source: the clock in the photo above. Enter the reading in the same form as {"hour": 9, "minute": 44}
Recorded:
{"hour": 7, "minute": 32}
